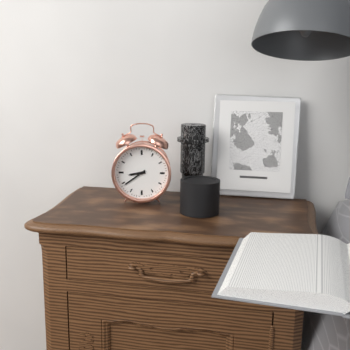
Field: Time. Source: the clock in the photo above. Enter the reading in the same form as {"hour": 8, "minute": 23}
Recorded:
{"hour": 8, "minute": 39}
